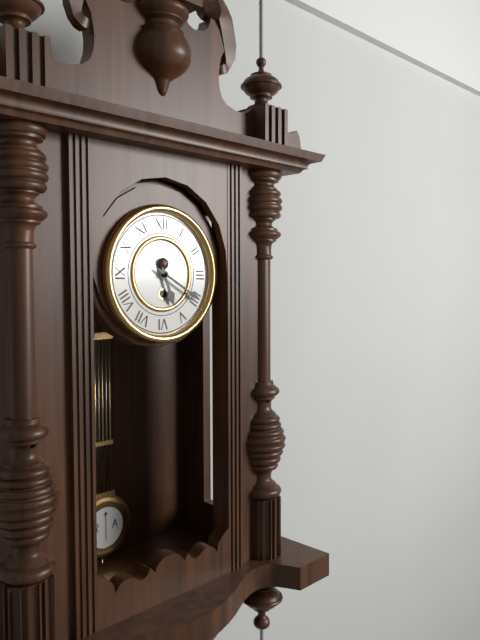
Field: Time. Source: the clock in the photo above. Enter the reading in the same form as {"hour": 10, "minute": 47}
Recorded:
{"hour": 5, "minute": 20}
